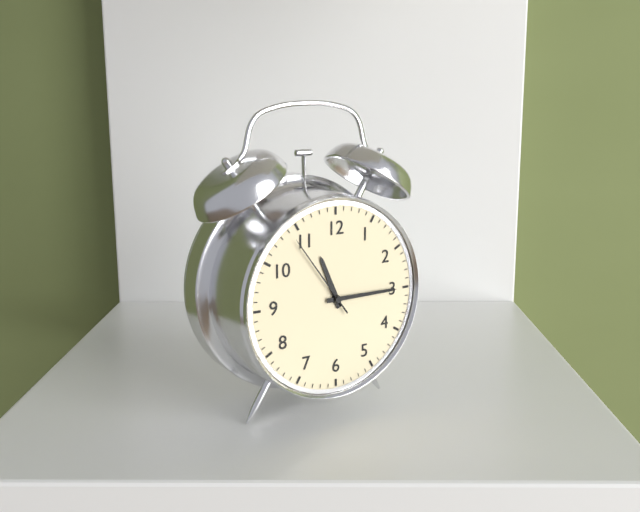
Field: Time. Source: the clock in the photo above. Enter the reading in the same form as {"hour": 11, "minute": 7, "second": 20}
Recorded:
{"hour": 11, "minute": 15, "second": 54}
